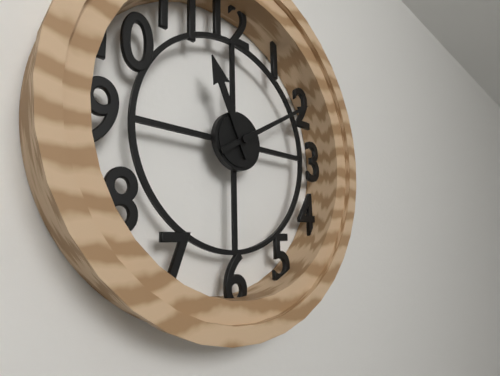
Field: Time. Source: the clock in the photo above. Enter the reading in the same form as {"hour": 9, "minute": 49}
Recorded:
{"hour": 11, "minute": 10}
